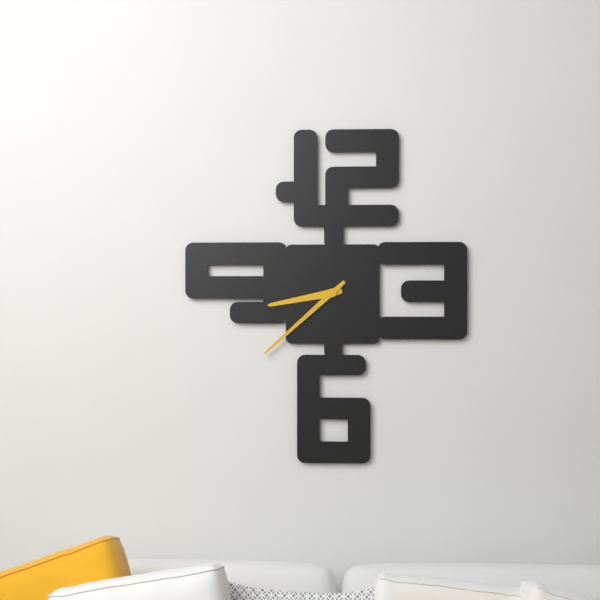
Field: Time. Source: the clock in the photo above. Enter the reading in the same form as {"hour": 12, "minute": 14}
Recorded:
{"hour": 8, "minute": 38}
